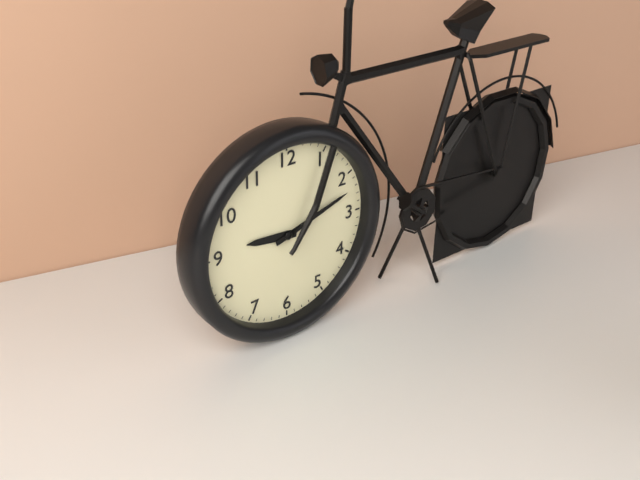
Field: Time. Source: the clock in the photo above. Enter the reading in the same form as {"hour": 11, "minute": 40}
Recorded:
{"hour": 9, "minute": 12}
